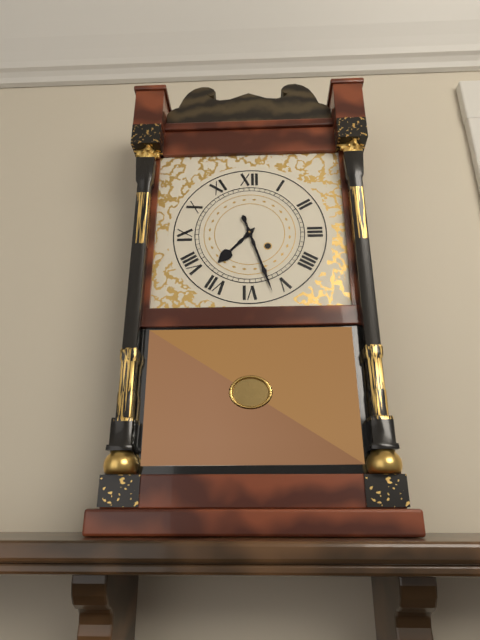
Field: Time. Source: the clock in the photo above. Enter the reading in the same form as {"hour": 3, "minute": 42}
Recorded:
{"hour": 7, "minute": 27}
